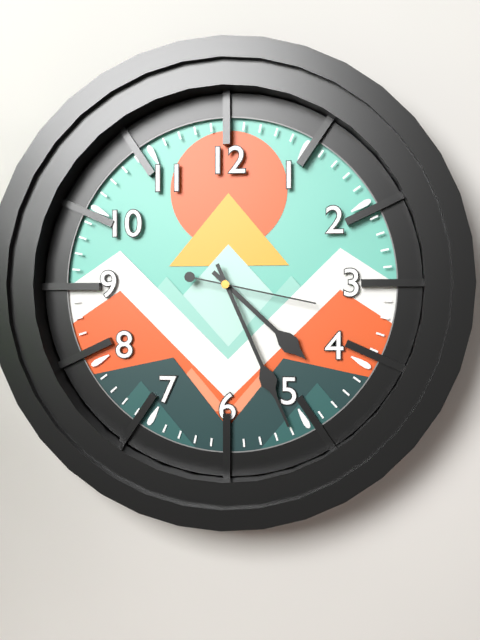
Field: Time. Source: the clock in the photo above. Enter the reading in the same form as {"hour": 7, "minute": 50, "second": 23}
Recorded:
{"hour": 4, "minute": 26, "second": 17}
